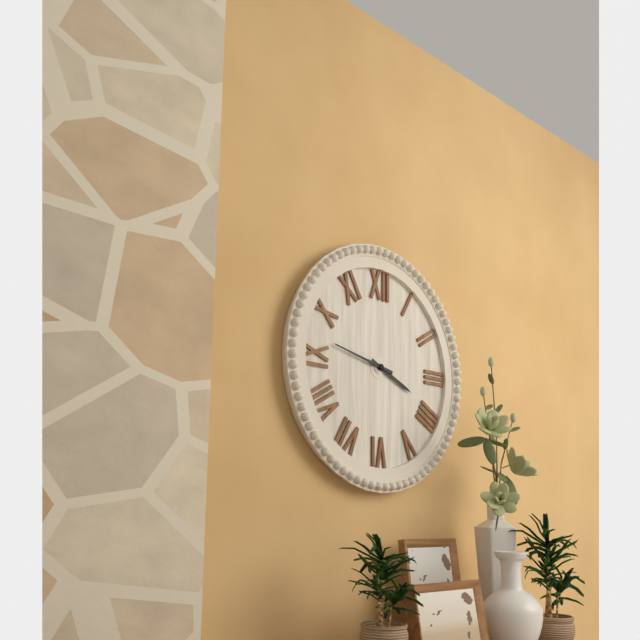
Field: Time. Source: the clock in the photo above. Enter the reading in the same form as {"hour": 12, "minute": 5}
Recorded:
{"hour": 3, "minute": 47}
